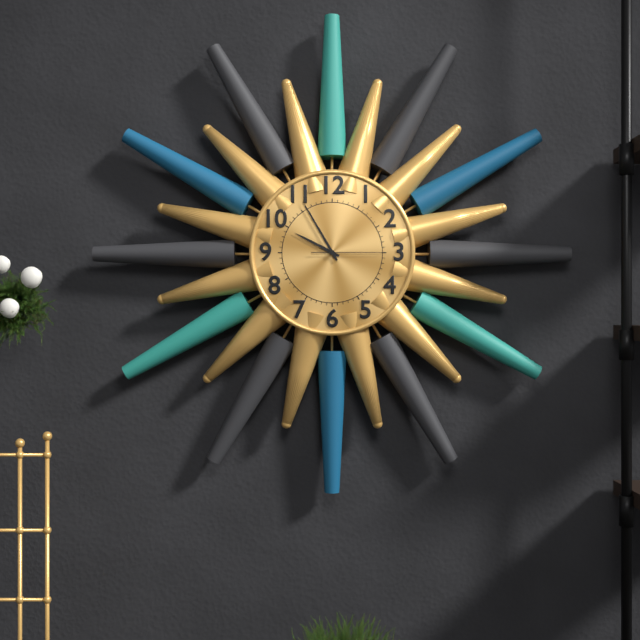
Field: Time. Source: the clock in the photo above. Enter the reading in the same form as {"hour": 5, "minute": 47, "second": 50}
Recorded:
{"hour": 9, "minute": 55, "second": 15}
